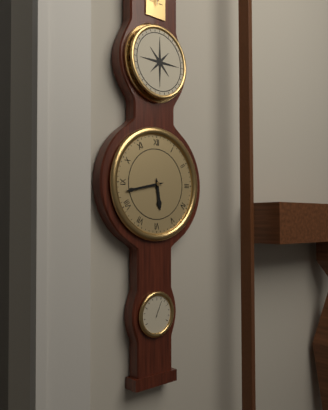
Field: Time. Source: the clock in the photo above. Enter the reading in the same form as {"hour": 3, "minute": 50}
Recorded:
{"hour": 5, "minute": 43}
